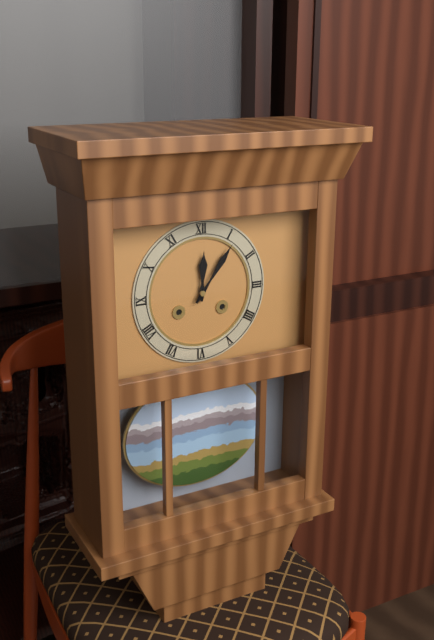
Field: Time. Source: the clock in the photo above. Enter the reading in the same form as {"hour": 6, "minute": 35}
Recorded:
{"hour": 12, "minute": 6}
